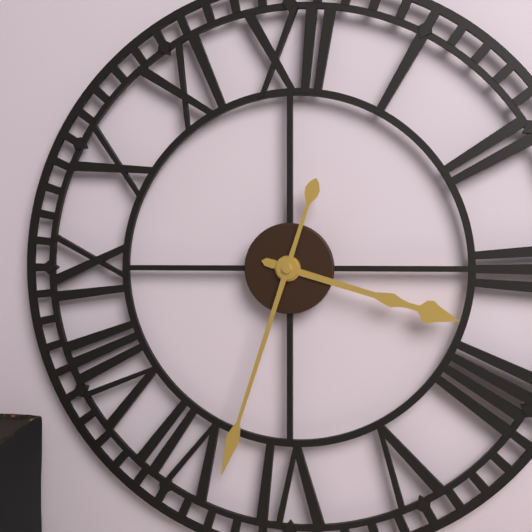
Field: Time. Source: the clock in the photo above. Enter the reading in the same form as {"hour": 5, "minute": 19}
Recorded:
{"hour": 3, "minute": 33}
